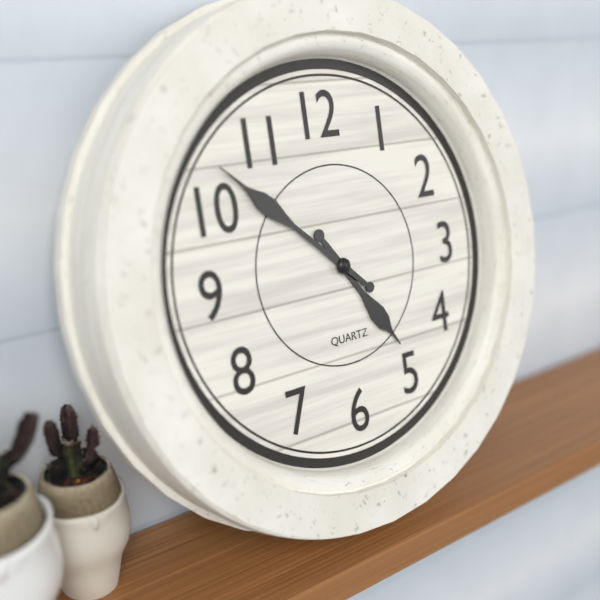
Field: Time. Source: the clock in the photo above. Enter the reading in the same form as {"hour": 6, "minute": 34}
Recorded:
{"hour": 4, "minute": 52}
